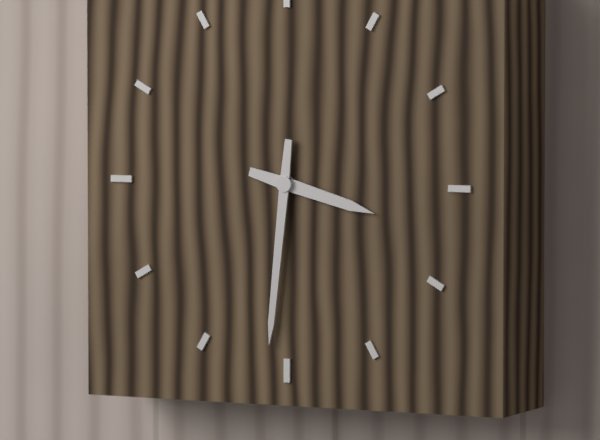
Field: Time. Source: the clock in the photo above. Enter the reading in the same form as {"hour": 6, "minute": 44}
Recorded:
{"hour": 3, "minute": 31}
